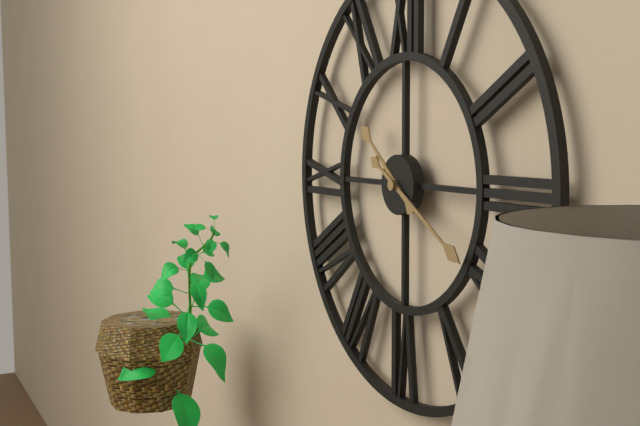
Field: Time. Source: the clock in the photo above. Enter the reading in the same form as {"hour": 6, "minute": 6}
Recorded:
{"hour": 10, "minute": 20}
